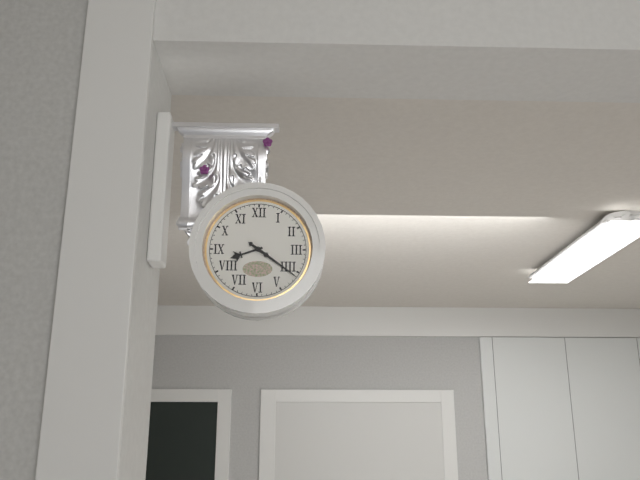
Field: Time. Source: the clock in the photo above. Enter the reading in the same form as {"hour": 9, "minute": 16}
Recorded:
{"hour": 8, "minute": 21}
